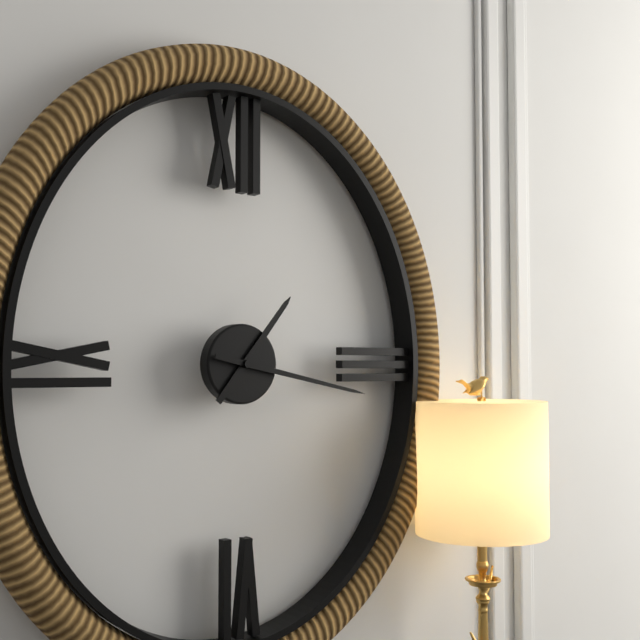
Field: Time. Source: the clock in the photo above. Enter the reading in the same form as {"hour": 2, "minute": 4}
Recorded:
{"hour": 1, "minute": 17}
